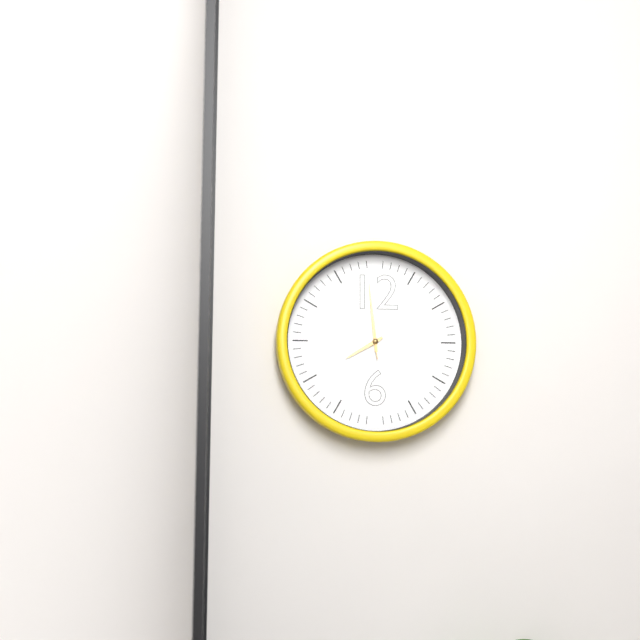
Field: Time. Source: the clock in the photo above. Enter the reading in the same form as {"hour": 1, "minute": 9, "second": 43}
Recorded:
{"hour": 7, "minute": 59, "second": 59}
